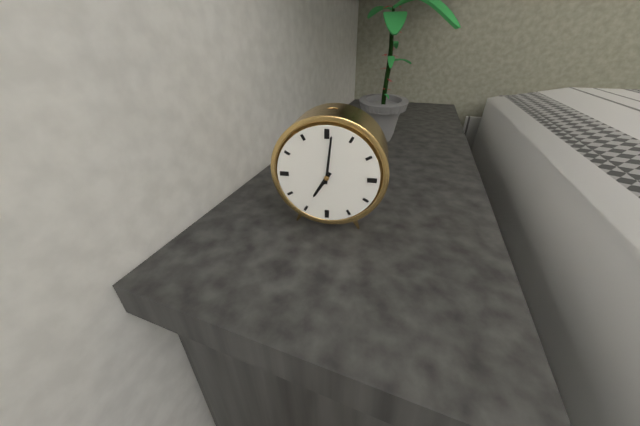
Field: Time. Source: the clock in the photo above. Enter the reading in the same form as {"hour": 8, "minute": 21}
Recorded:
{"hour": 7, "minute": 1}
